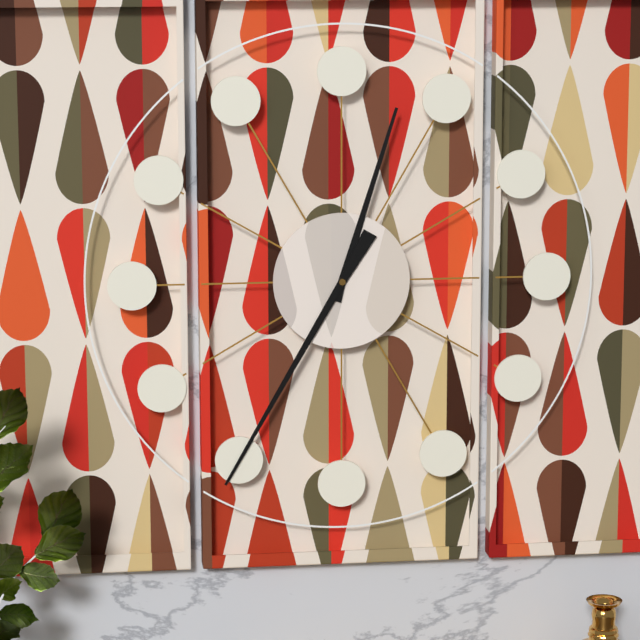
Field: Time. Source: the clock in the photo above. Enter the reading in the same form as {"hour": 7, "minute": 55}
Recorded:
{"hour": 12, "minute": 35}
